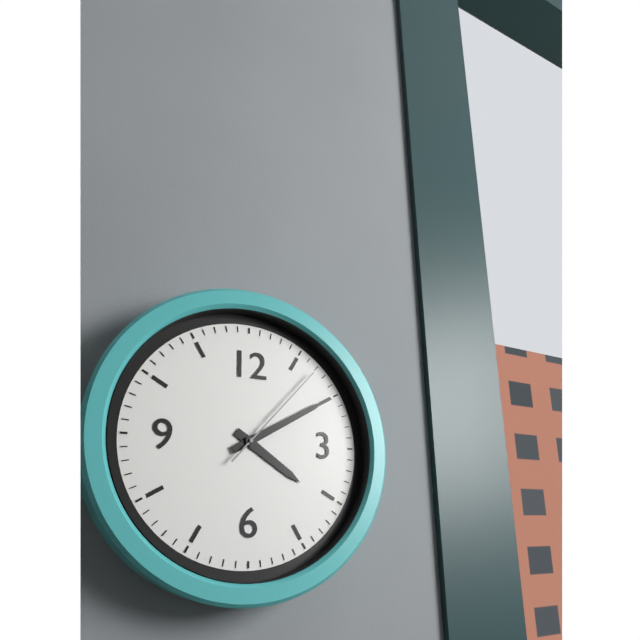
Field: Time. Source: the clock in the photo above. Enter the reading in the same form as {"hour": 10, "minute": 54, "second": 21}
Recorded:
{"hour": 4, "minute": 10, "second": 7}
